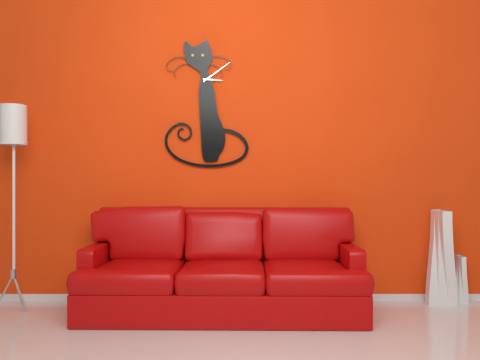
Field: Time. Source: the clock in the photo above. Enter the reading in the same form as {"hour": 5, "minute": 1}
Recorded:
{"hour": 3, "minute": 9}
